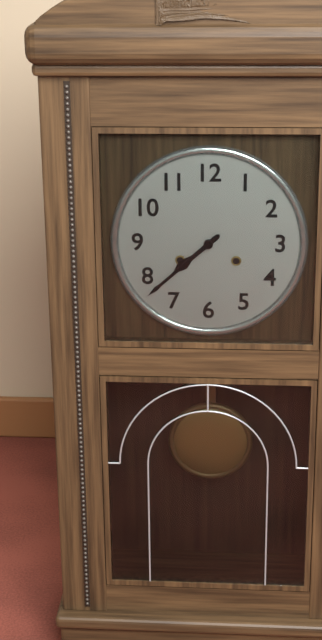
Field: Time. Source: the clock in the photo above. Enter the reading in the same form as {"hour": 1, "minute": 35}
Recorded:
{"hour": 7, "minute": 38}
